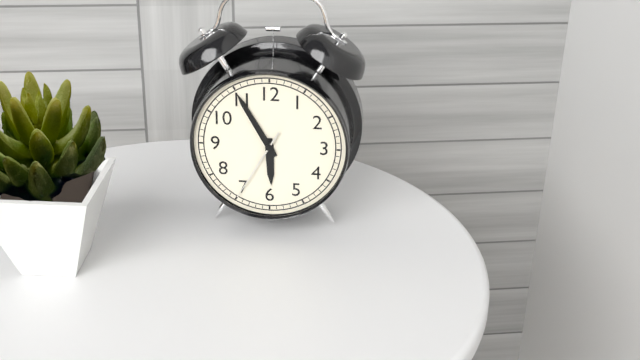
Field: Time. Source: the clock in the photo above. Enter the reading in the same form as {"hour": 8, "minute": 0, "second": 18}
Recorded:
{"hour": 5, "minute": 55, "second": 35}
